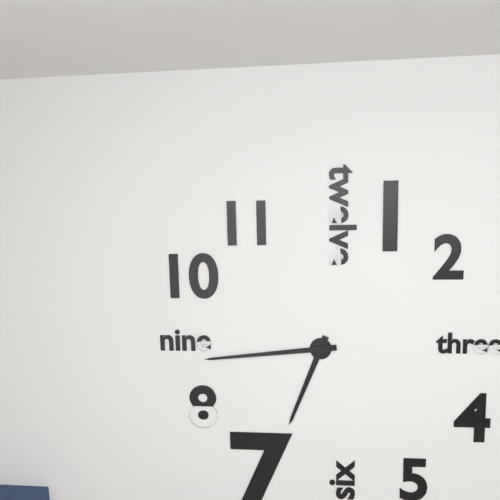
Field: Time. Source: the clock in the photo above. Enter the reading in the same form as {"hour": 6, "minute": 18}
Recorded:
{"hour": 6, "minute": 44}
